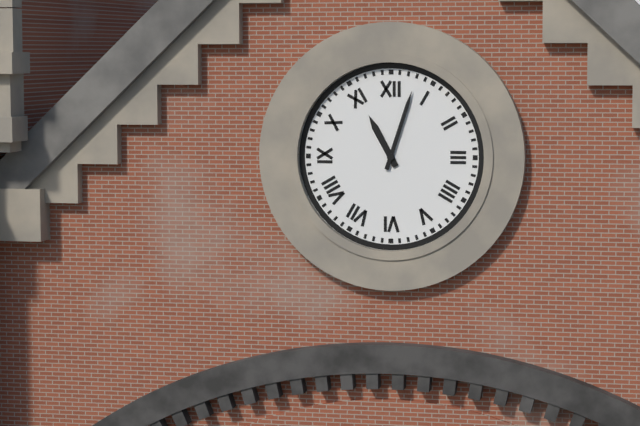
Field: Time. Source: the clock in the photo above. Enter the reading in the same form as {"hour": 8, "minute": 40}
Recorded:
{"hour": 11, "minute": 3}
